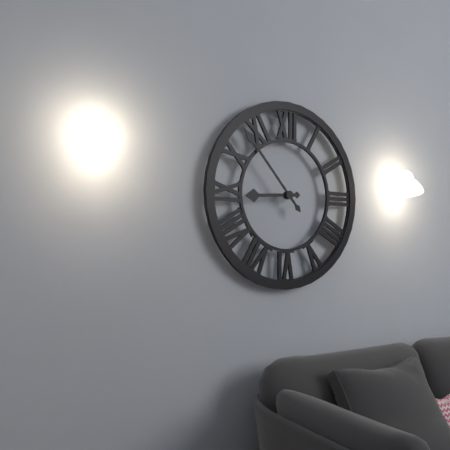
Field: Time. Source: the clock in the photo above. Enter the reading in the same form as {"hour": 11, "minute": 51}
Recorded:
{"hour": 8, "minute": 53}
